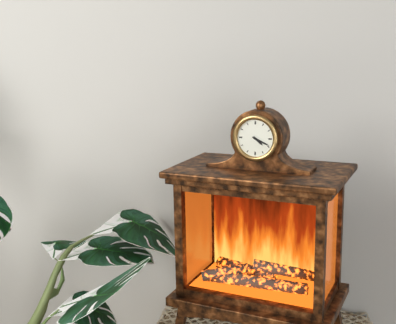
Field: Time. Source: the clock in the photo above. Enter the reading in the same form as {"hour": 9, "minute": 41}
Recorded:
{"hour": 4, "minute": 19}
